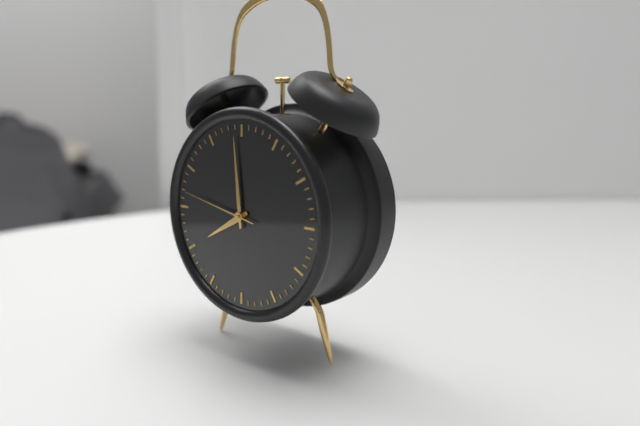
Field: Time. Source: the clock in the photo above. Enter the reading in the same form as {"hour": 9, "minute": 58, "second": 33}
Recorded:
{"hour": 7, "minute": 59, "second": 47}
